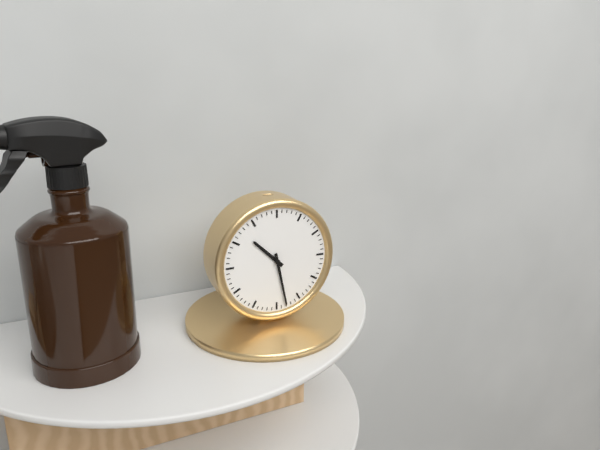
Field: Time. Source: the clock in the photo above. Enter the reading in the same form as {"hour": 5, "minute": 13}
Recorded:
{"hour": 10, "minute": 28}
